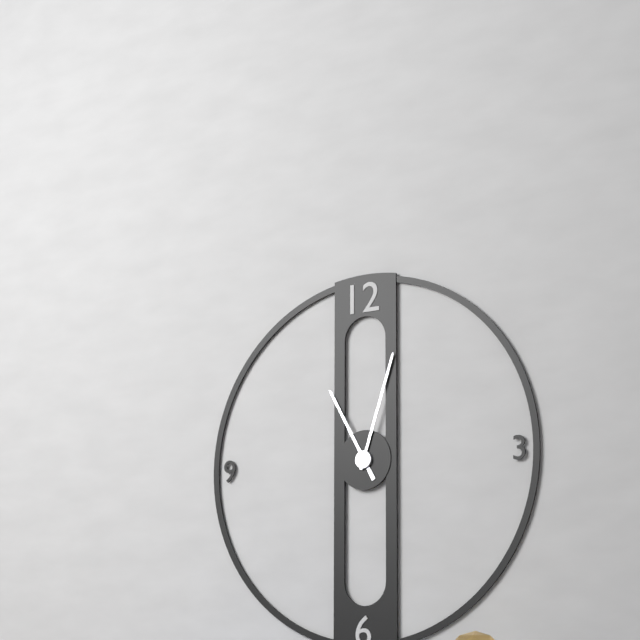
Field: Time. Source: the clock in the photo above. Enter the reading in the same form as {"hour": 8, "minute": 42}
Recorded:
{"hour": 11, "minute": 3}
